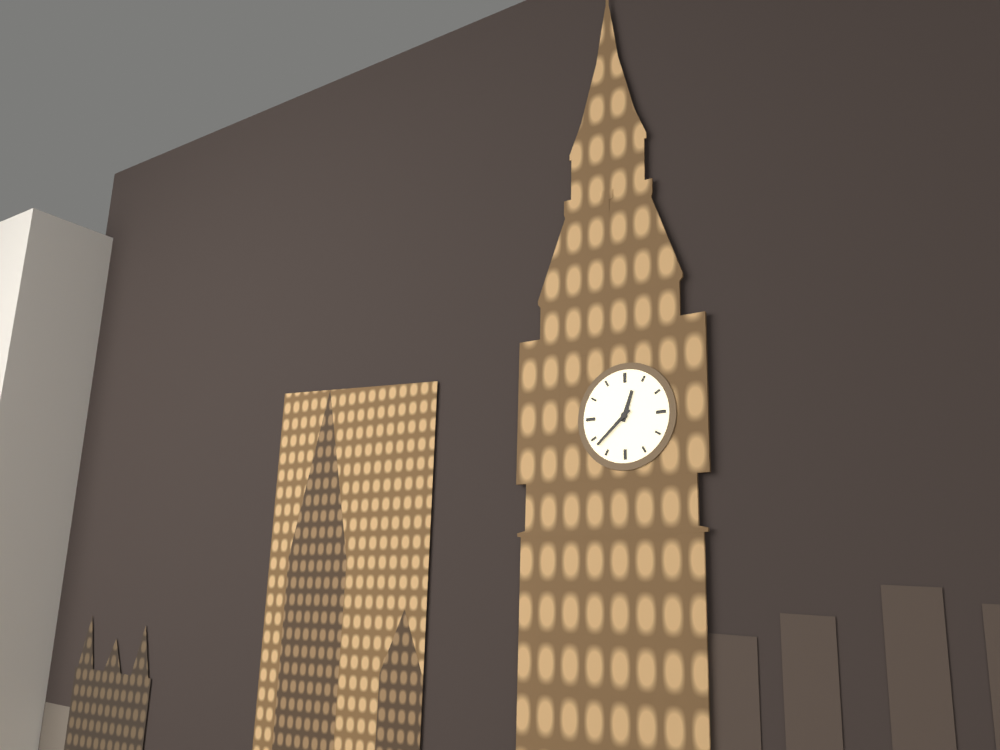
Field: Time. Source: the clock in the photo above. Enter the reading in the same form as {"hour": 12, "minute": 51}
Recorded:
{"hour": 12, "minute": 38}
